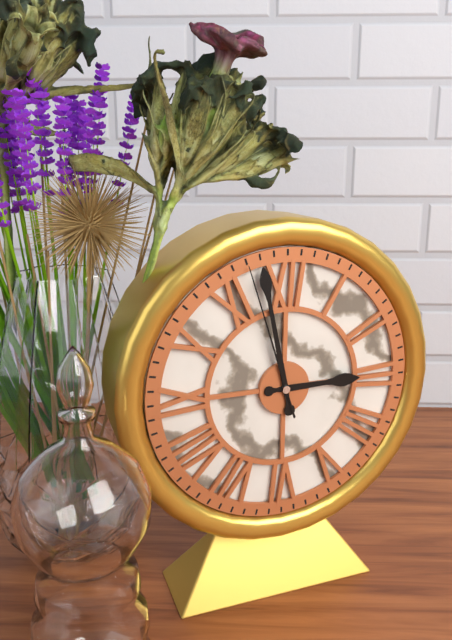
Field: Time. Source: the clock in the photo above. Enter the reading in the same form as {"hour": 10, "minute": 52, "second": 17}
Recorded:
{"hour": 2, "minute": 58, "second": 57}
